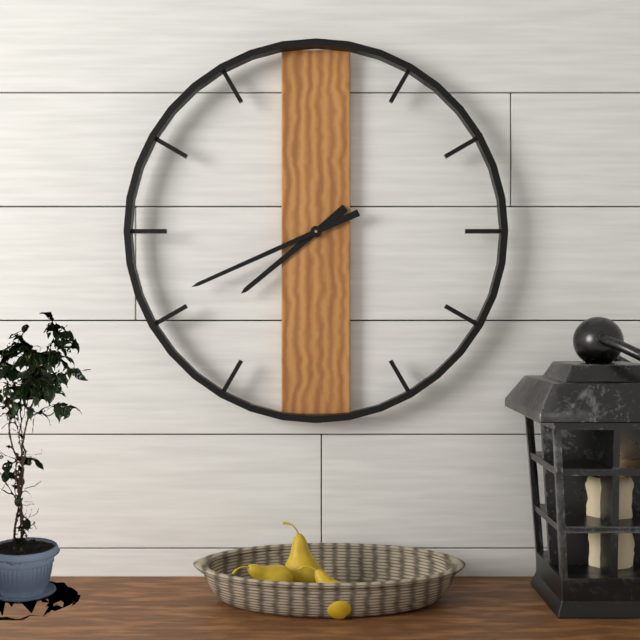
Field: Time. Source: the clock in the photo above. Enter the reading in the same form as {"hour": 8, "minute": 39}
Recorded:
{"hour": 7, "minute": 41}
